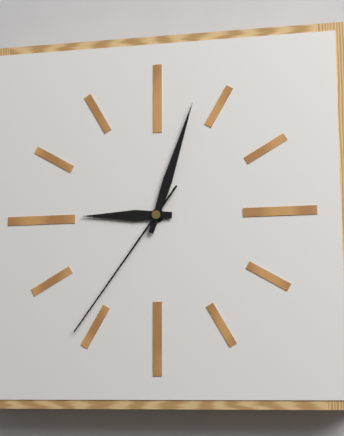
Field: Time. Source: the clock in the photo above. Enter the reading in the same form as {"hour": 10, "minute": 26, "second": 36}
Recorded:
{"hour": 9, "minute": 3, "second": 36}
